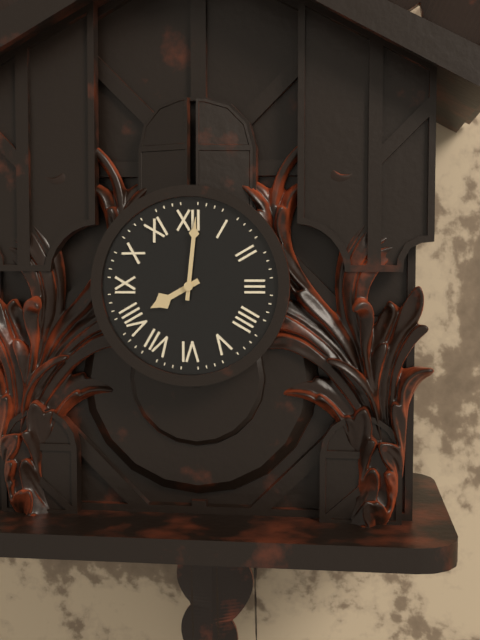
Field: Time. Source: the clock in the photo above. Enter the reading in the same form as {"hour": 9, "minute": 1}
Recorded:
{"hour": 8, "minute": 1}
